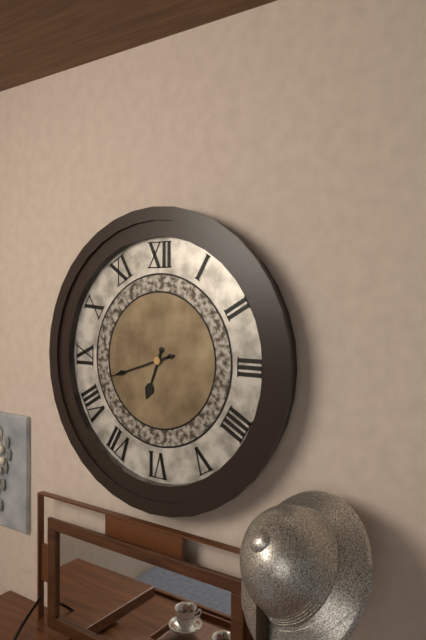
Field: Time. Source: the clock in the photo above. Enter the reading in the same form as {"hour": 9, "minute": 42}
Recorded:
{"hour": 6, "minute": 42}
